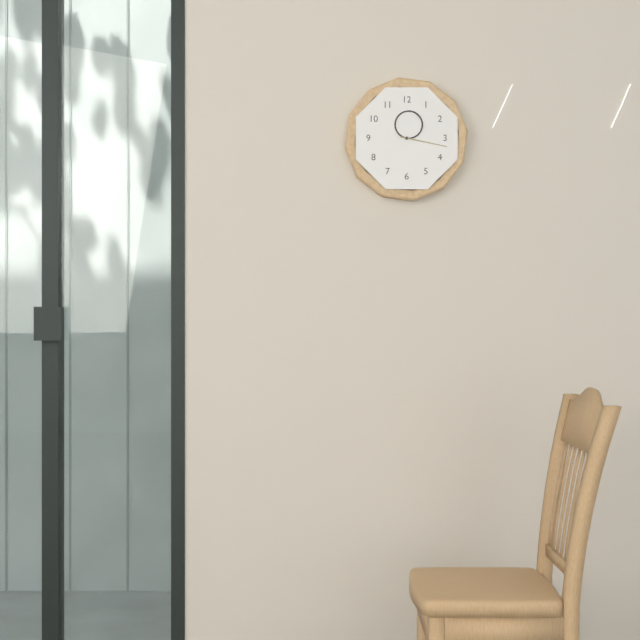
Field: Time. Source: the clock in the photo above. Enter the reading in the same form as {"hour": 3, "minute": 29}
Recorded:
{"hour": 12, "minute": 17}
